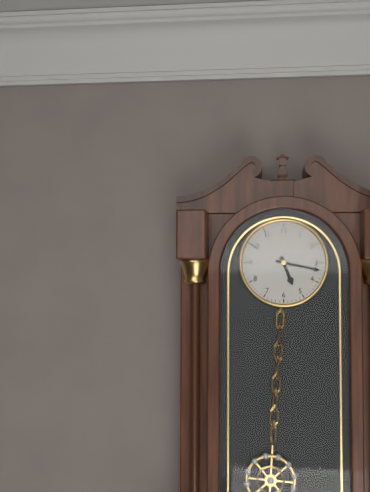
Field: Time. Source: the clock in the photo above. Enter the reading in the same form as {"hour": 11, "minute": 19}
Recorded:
{"hour": 5, "minute": 17}
